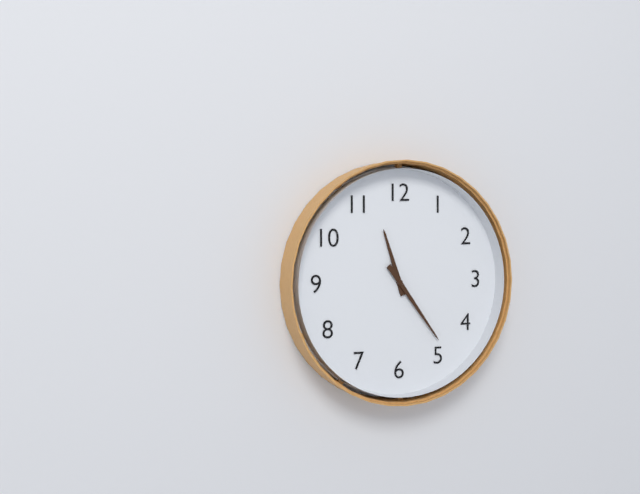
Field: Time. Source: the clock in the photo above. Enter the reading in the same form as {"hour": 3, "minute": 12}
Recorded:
{"hour": 11, "minute": 24}
